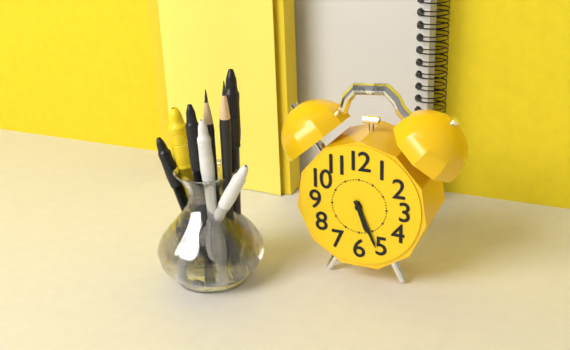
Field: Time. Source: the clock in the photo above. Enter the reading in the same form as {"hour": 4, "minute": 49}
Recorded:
{"hour": 5, "minute": 26}
